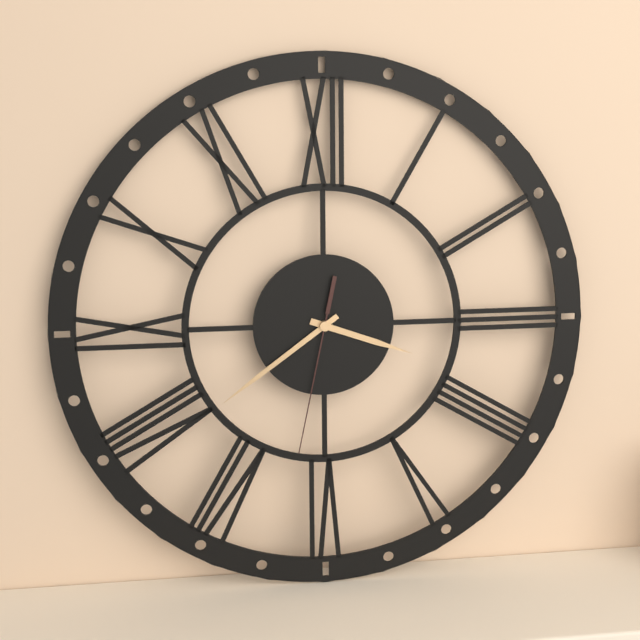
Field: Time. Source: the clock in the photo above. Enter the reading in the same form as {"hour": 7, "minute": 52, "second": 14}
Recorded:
{"hour": 3, "minute": 39, "second": 32}
